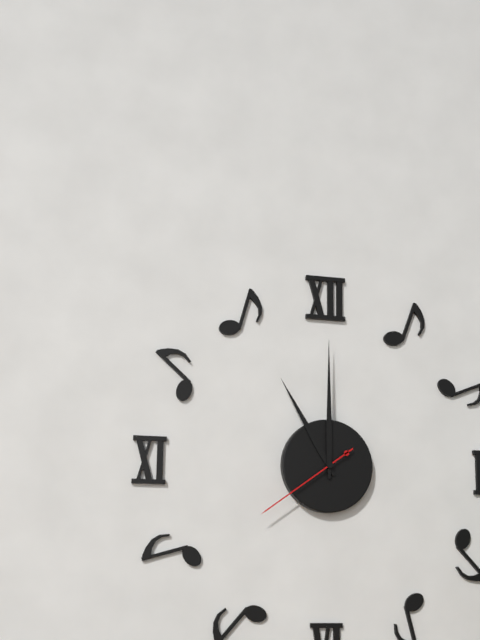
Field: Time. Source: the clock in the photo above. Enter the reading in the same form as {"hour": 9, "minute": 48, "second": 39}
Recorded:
{"hour": 11, "minute": 0, "second": 39}
